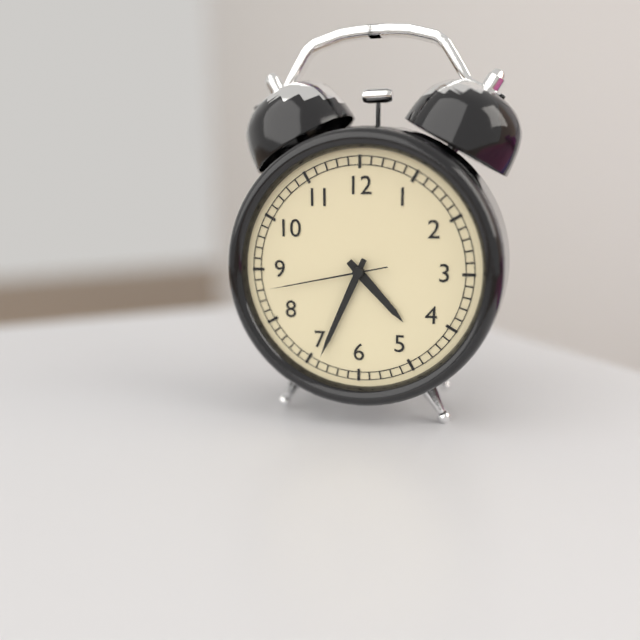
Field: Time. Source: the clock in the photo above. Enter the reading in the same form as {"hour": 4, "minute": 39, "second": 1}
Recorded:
{"hour": 4, "minute": 34, "second": 43}
